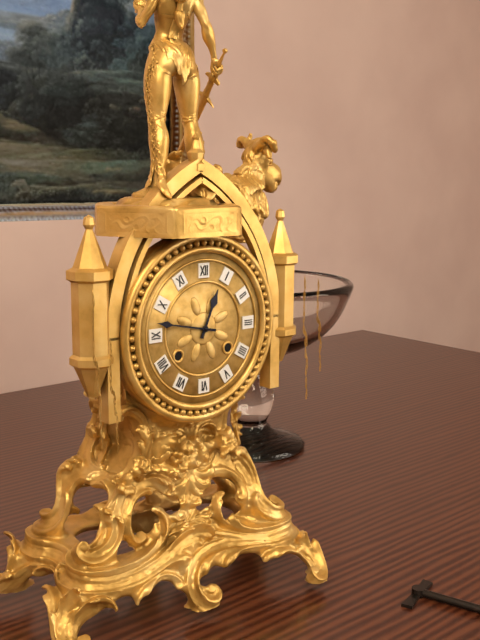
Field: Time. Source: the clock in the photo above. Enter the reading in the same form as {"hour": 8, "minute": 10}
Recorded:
{"hour": 12, "minute": 47}
